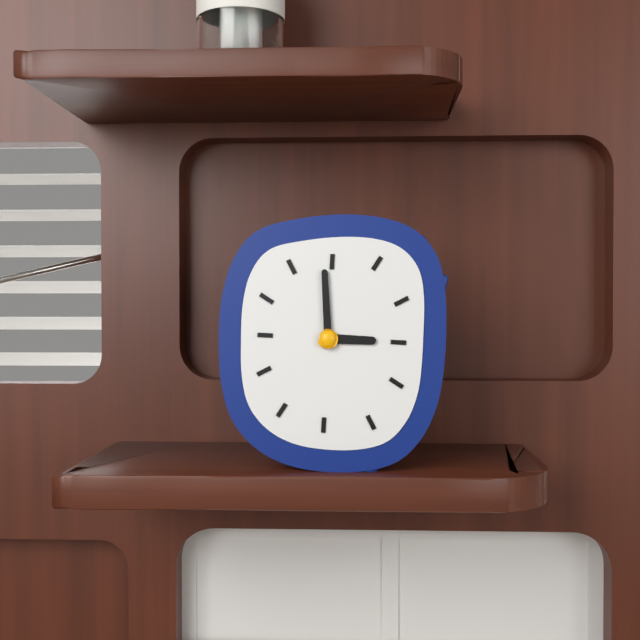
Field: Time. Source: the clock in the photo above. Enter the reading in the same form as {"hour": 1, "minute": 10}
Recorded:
{"hour": 2, "minute": 59}
